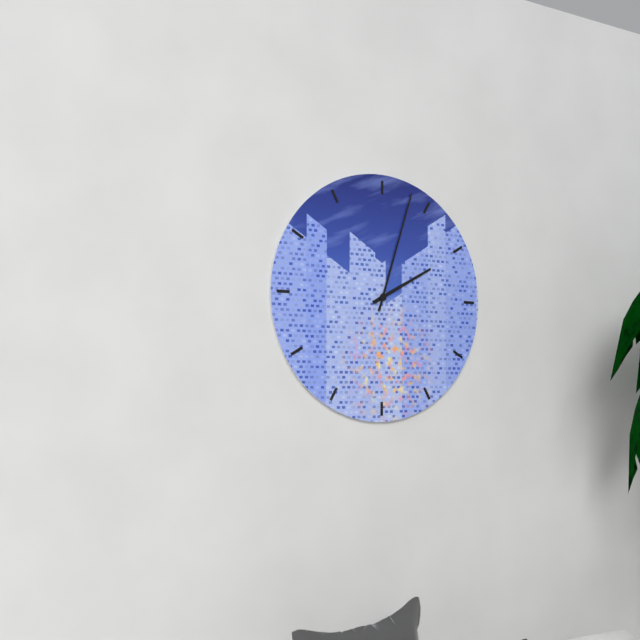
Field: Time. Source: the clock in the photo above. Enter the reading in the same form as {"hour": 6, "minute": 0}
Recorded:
{"hour": 2, "minute": 3}
